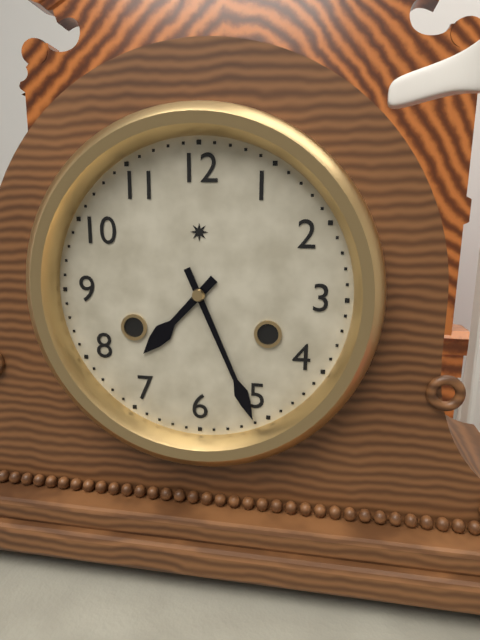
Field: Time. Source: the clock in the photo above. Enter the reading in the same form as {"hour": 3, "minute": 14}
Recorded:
{"hour": 7, "minute": 26}
